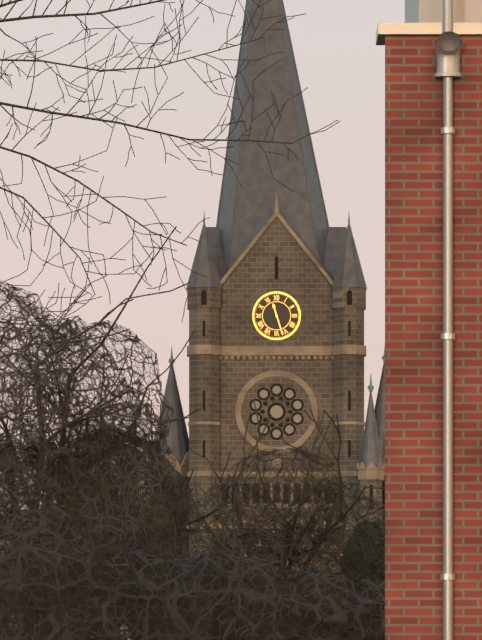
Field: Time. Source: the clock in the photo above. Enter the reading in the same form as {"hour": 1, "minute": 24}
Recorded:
{"hour": 11, "minute": 27}
